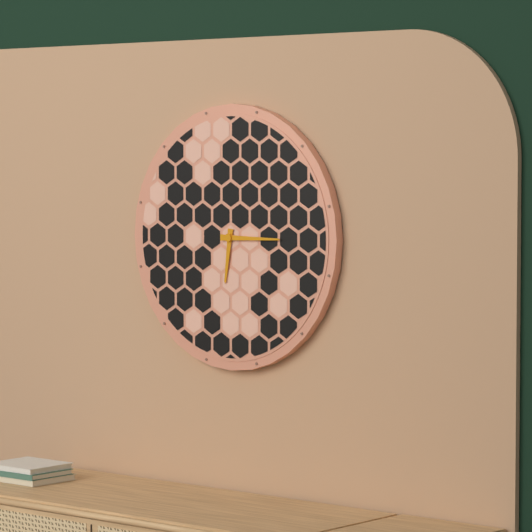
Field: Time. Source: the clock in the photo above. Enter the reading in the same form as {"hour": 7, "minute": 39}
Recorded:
{"hour": 6, "minute": 15}
